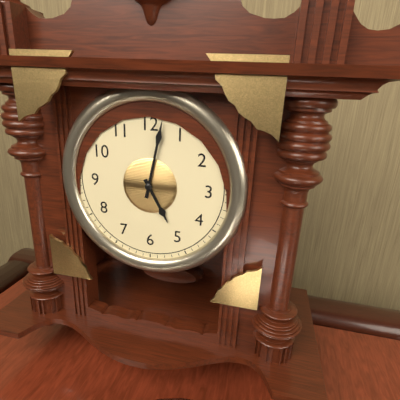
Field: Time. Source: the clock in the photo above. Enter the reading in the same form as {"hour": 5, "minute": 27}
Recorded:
{"hour": 5, "minute": 2}
